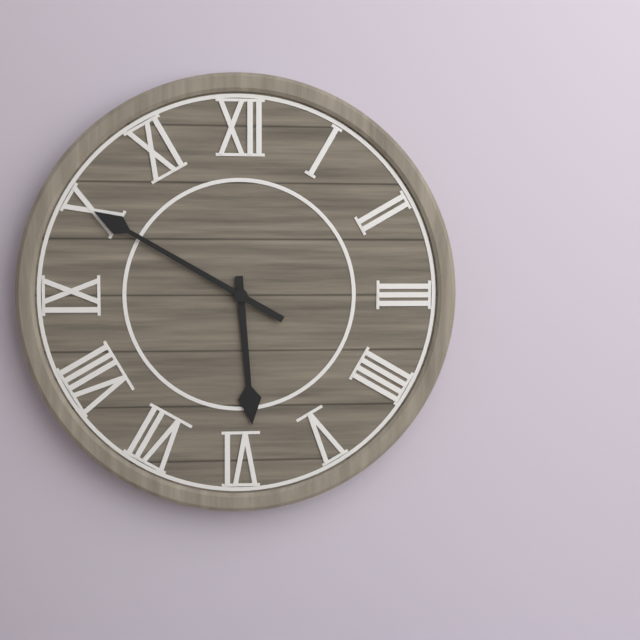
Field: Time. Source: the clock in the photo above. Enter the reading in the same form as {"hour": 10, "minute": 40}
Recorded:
{"hour": 5, "minute": 50}
